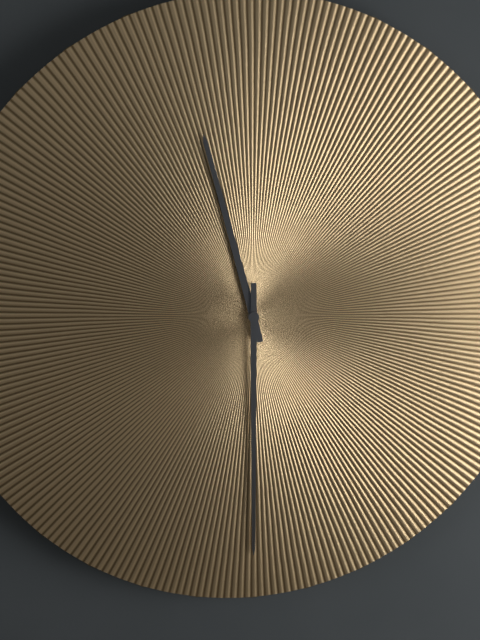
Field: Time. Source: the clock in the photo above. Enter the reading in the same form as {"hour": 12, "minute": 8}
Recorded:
{"hour": 11, "minute": 30}
